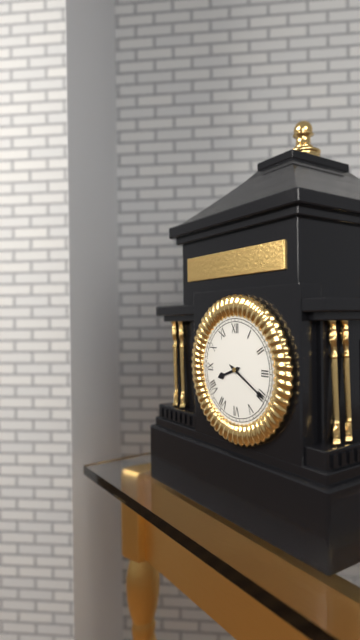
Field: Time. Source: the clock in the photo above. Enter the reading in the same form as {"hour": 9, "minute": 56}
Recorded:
{"hour": 8, "minute": 20}
